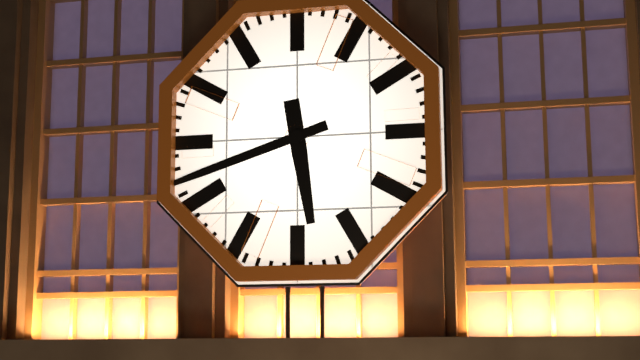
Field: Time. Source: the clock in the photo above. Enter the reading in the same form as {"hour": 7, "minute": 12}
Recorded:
{"hour": 5, "minute": 42}
